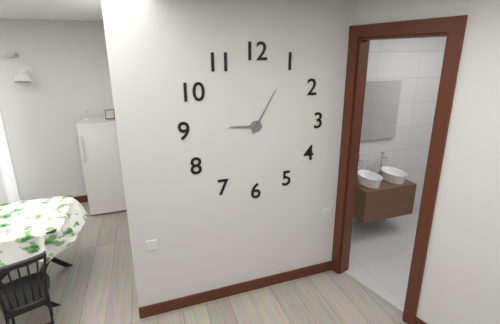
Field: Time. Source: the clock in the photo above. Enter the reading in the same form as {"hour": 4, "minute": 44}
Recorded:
{"hour": 9, "minute": 5}
